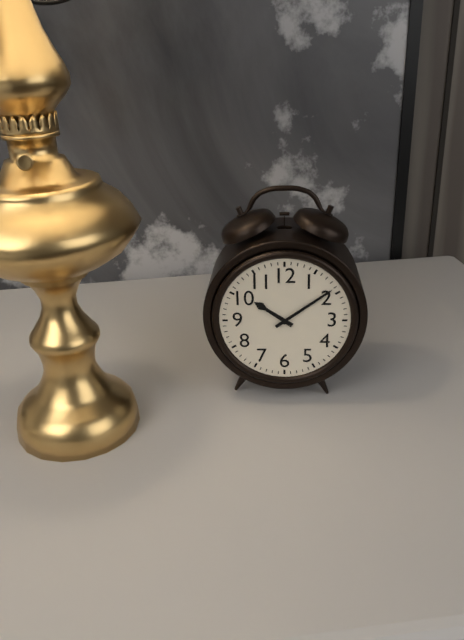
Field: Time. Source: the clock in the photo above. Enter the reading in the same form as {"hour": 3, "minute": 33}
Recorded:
{"hour": 10, "minute": 9}
